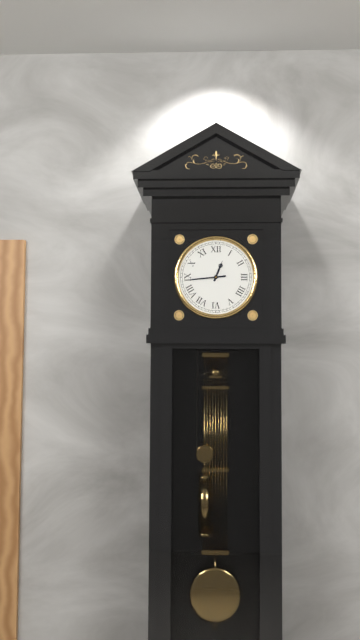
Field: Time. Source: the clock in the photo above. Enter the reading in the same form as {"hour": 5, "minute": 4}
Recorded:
{"hour": 12, "minute": 44}
